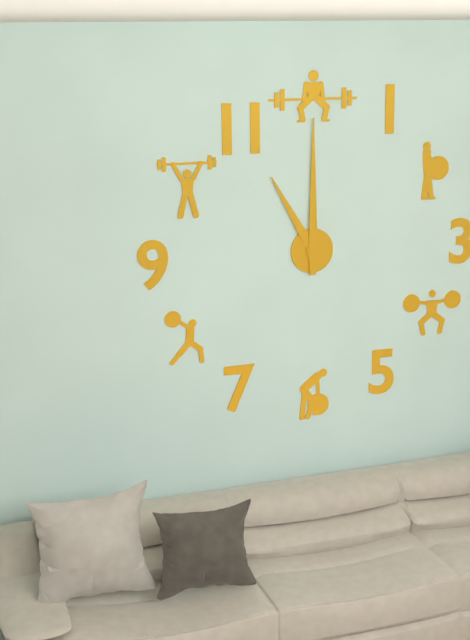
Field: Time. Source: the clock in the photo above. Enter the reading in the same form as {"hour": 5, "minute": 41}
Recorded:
{"hour": 11, "minute": 0}
